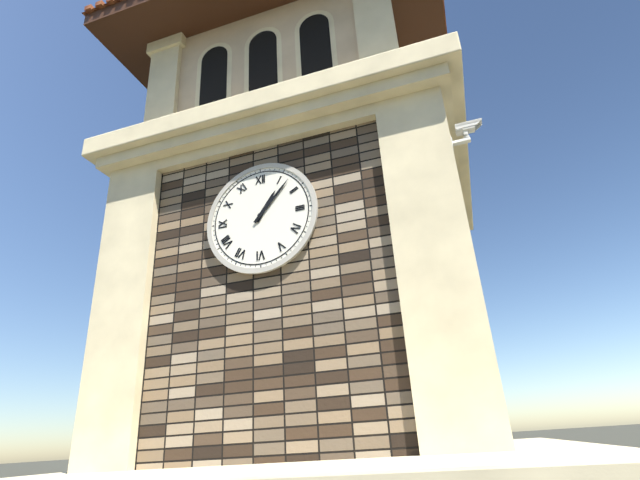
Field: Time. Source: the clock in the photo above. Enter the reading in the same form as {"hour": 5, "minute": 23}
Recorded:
{"hour": 1, "minute": 7}
